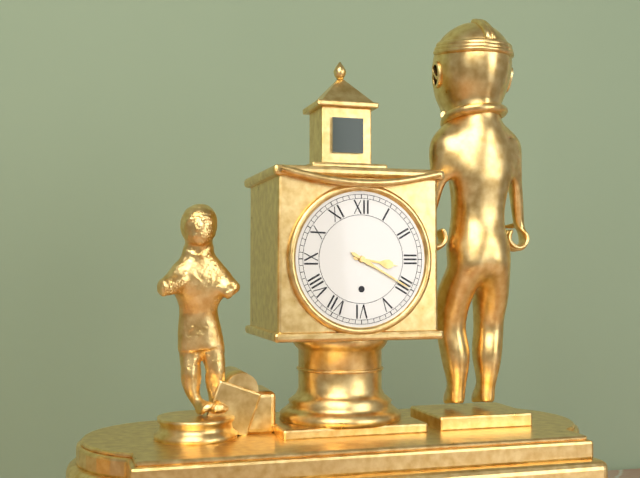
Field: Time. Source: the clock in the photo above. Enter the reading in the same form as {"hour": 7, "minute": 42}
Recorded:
{"hour": 3, "minute": 20}
